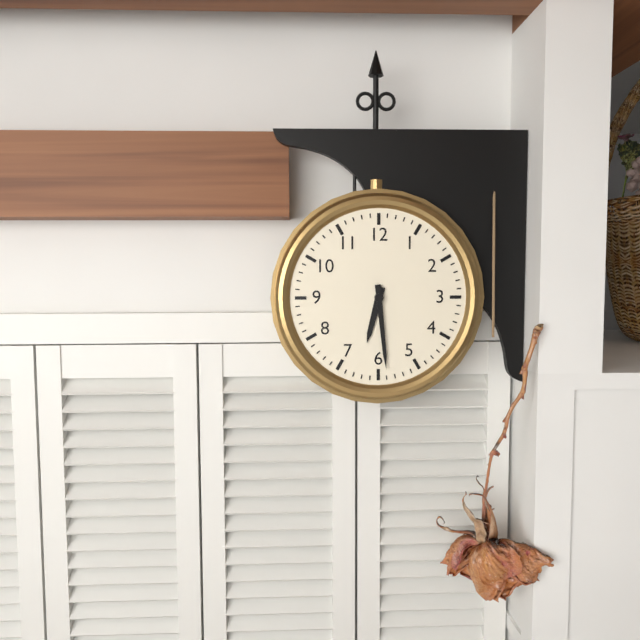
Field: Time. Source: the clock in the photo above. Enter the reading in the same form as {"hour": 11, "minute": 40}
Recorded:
{"hour": 6, "minute": 29}
